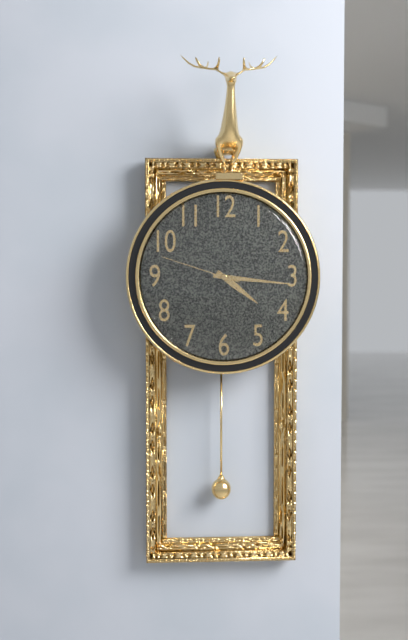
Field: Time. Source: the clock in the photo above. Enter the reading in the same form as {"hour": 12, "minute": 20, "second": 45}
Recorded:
{"hour": 4, "minute": 16, "second": 48}
